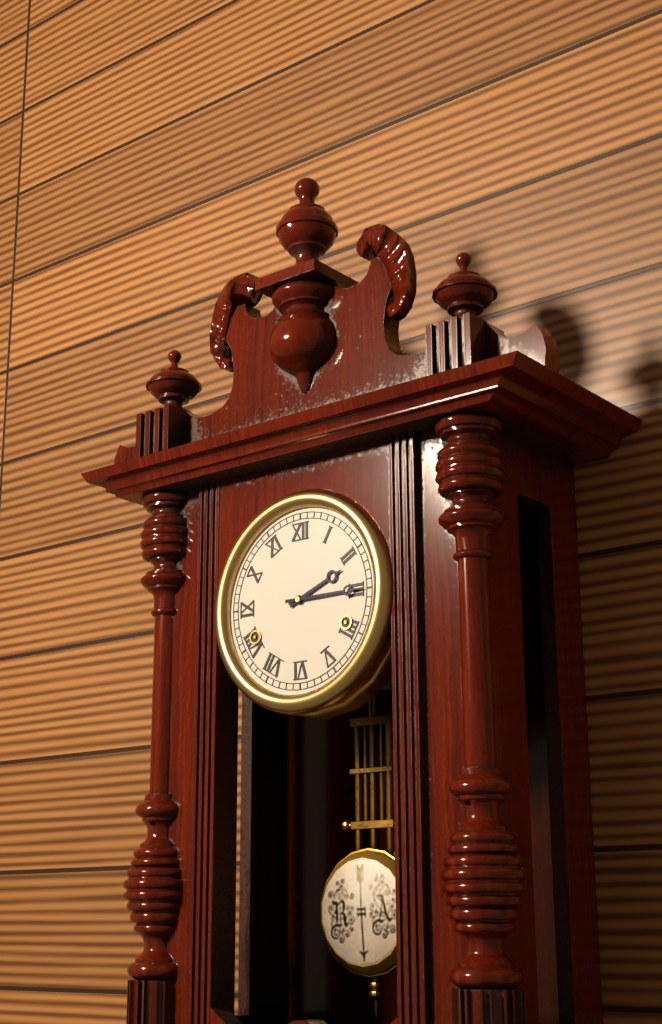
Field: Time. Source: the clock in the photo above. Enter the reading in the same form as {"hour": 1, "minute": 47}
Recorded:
{"hour": 2, "minute": 15}
